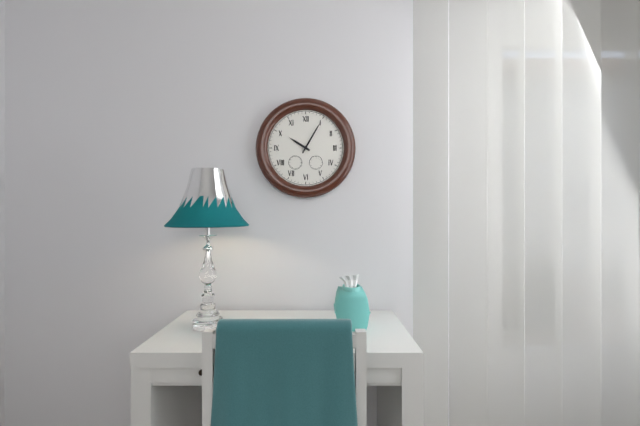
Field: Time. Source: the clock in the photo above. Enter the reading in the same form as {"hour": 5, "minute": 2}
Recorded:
{"hour": 10, "minute": 5}
